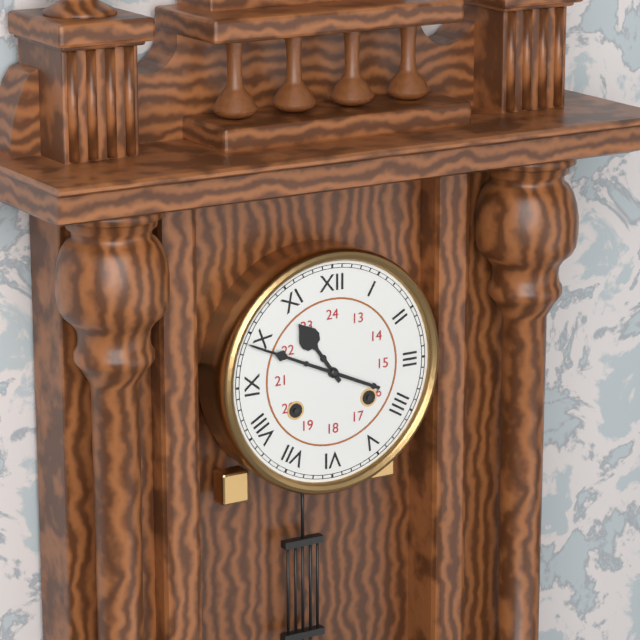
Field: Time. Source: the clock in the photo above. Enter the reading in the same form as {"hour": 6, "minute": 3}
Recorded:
{"hour": 10, "minute": 49}
